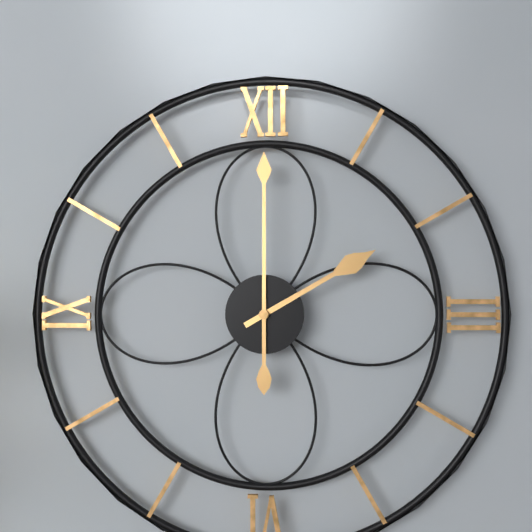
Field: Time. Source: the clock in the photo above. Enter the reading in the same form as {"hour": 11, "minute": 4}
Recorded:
{"hour": 2, "minute": 0}
